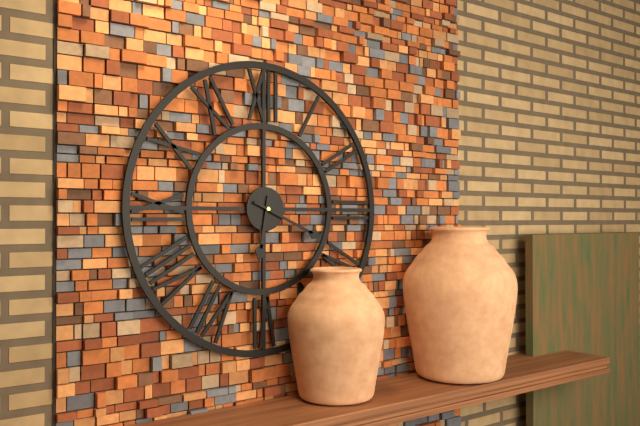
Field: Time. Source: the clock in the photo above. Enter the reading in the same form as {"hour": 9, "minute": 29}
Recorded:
{"hour": 6, "minute": 19}
